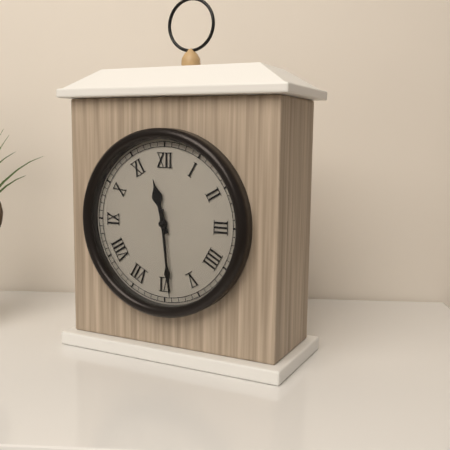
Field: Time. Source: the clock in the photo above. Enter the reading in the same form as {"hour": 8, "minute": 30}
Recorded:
{"hour": 11, "minute": 29}
